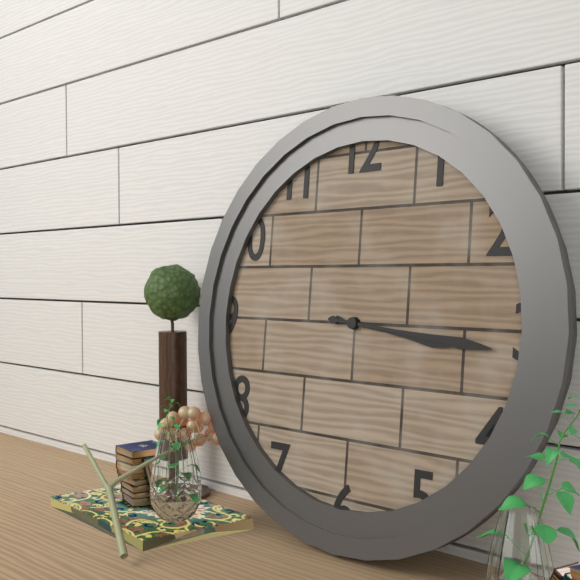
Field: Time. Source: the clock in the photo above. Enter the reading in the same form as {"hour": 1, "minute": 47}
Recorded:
{"hour": 3, "minute": 16}
